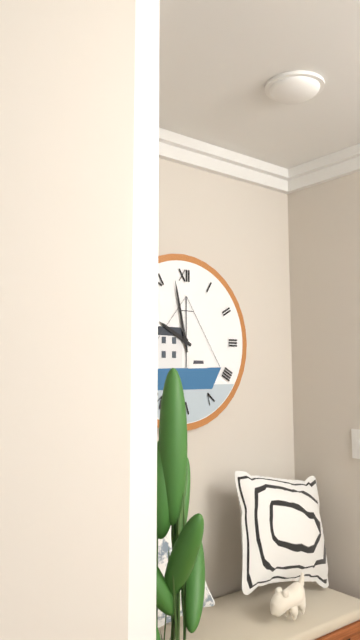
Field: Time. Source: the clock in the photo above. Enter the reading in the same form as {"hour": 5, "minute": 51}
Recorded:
{"hour": 9, "minute": 58}
